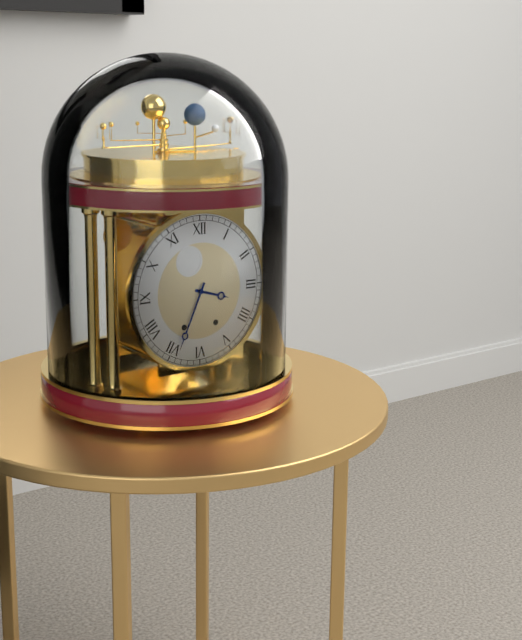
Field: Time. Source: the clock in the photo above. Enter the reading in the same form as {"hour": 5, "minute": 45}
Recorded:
{"hour": 3, "minute": 34}
